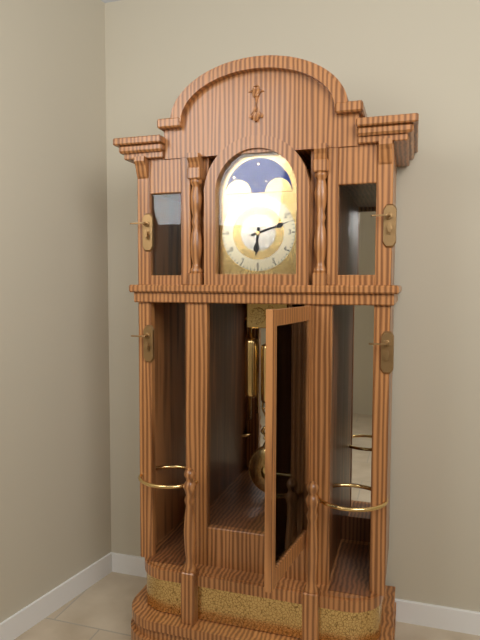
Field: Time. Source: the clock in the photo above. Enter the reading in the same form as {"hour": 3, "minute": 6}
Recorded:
{"hour": 6, "minute": 12}
